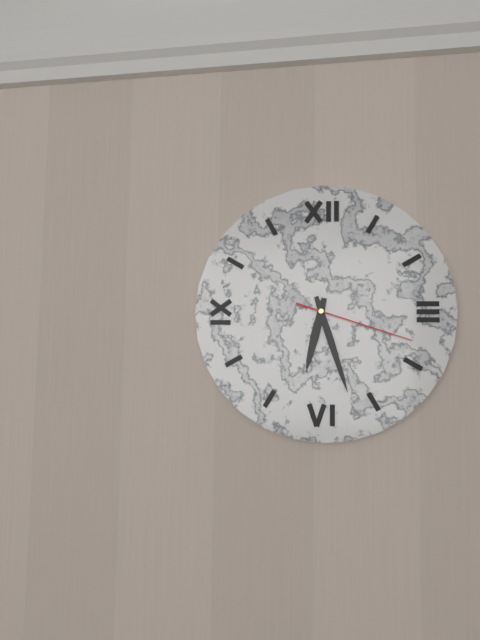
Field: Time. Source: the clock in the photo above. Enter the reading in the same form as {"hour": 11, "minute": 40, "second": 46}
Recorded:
{"hour": 6, "minute": 27, "second": 18}
